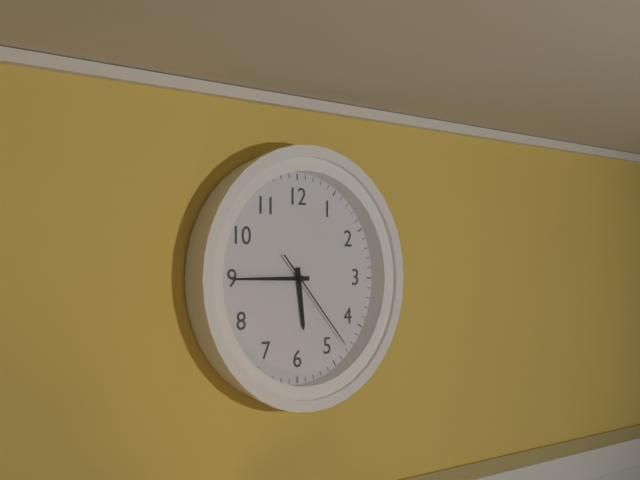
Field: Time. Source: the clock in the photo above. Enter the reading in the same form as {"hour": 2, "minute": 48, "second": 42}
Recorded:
{"hour": 5, "minute": 45, "second": 23}
